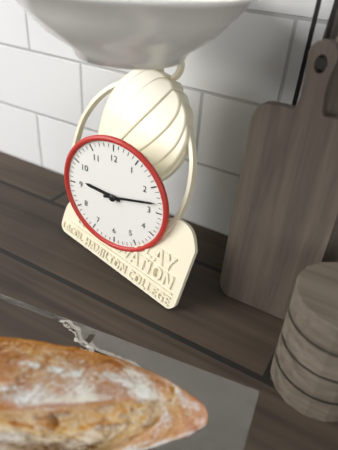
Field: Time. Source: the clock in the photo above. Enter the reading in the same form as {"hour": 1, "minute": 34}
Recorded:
{"hour": 9, "minute": 13}
